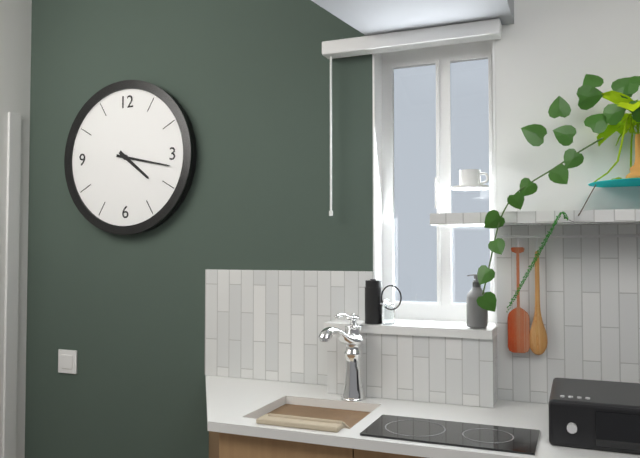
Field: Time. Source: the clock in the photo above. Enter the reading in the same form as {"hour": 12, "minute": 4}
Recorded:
{"hour": 4, "minute": 17}
